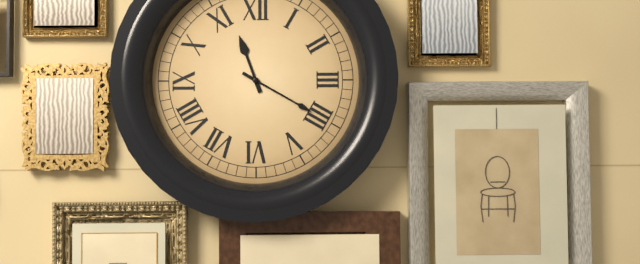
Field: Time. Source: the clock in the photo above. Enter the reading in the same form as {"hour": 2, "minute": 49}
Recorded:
{"hour": 11, "minute": 20}
